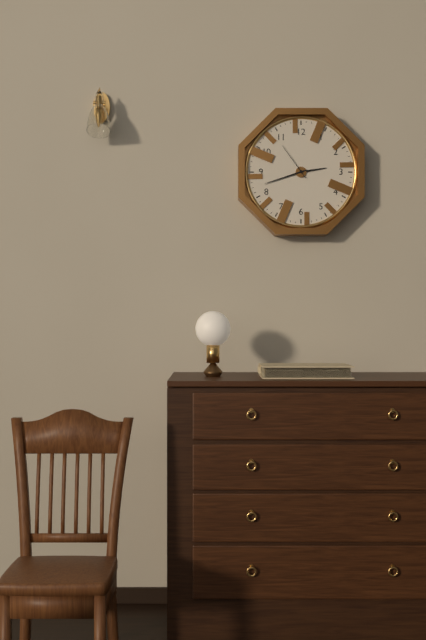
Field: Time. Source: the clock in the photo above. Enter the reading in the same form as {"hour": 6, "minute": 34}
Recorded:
{"hour": 2, "minute": 42}
